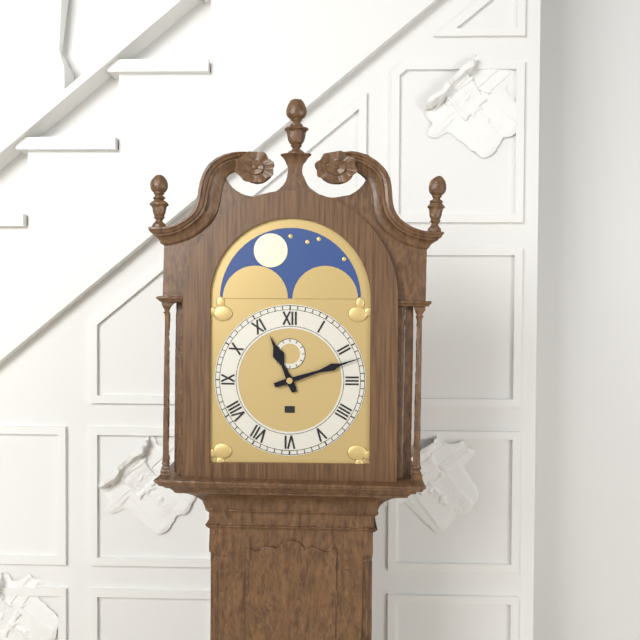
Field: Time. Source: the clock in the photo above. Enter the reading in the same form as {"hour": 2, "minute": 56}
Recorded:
{"hour": 11, "minute": 12}
